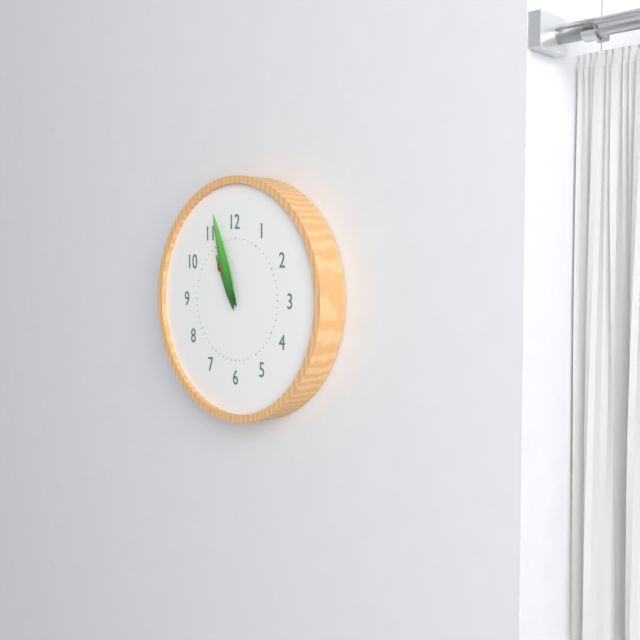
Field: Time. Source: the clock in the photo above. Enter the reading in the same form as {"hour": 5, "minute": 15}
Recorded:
{"hour": 10, "minute": 57}
